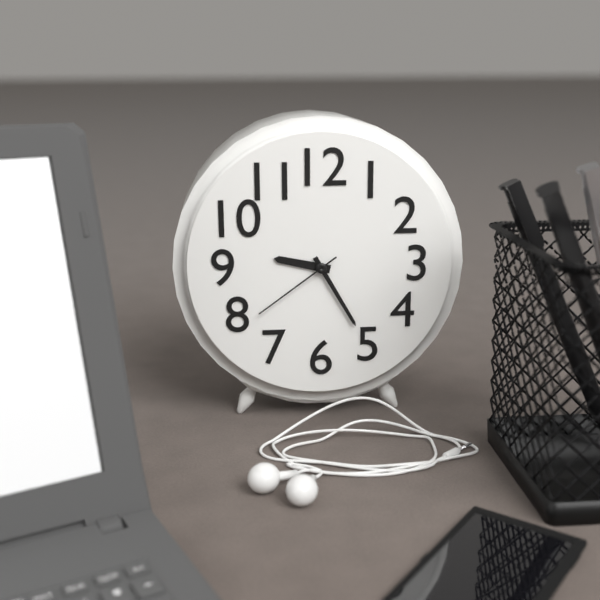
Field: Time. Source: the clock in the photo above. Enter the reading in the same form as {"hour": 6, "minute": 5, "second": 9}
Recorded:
{"hour": 9, "minute": 25, "second": 39}
